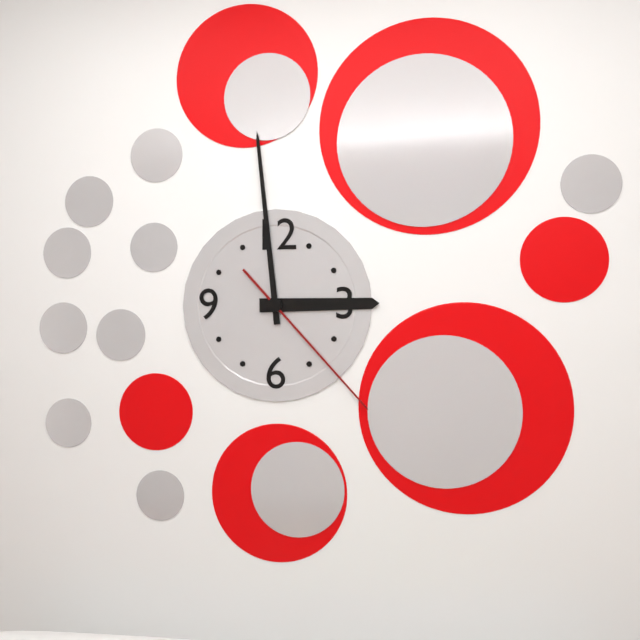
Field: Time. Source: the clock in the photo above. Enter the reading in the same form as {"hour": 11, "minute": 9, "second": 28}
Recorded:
{"hour": 2, "minute": 59, "second": 23}
